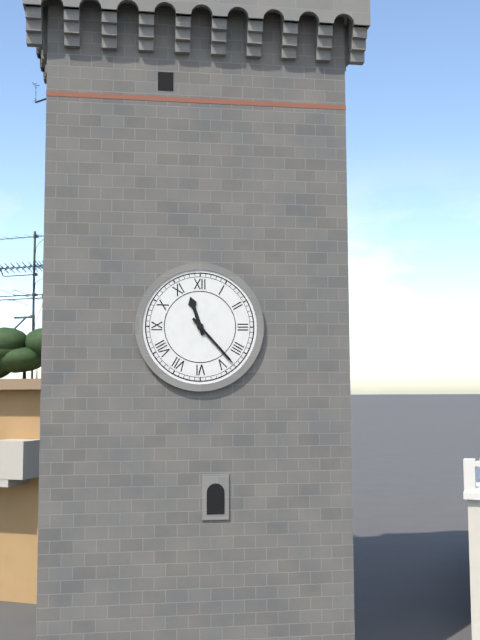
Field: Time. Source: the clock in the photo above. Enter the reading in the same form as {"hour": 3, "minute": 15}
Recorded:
{"hour": 11, "minute": 23}
